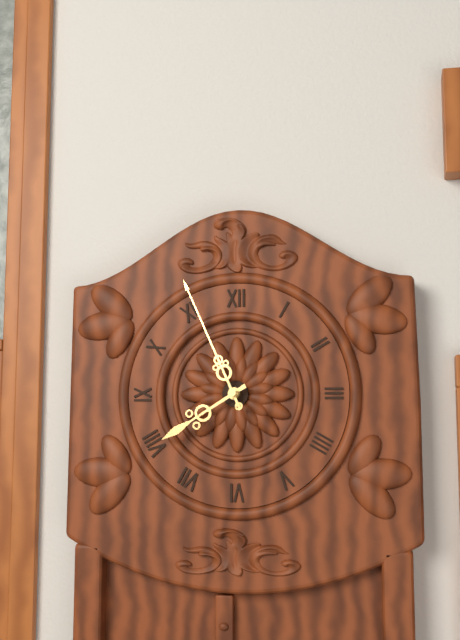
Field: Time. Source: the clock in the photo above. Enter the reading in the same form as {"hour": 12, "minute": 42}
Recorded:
{"hour": 7, "minute": 56}
